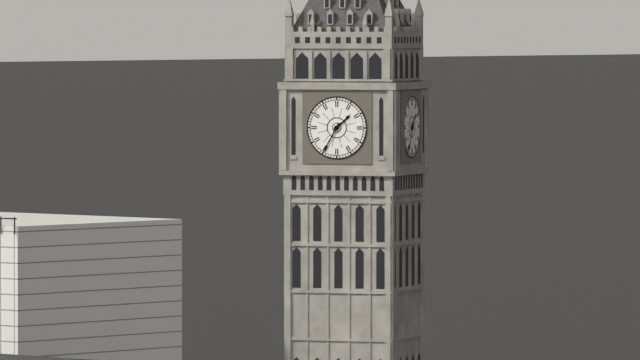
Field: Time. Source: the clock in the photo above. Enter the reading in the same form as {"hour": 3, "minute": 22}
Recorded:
{"hour": 1, "minute": 35}
